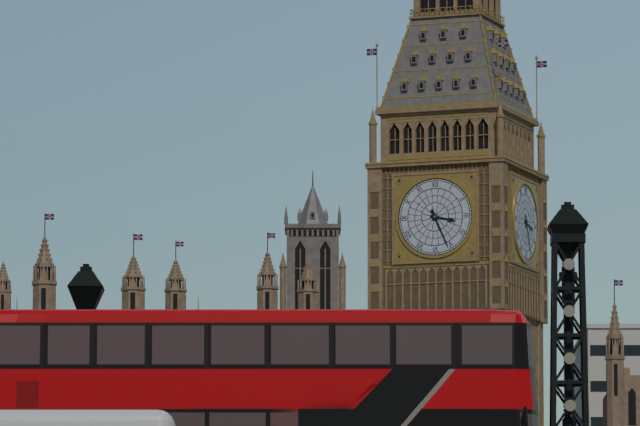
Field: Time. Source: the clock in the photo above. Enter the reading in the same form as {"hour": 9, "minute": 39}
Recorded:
{"hour": 3, "minute": 26}
